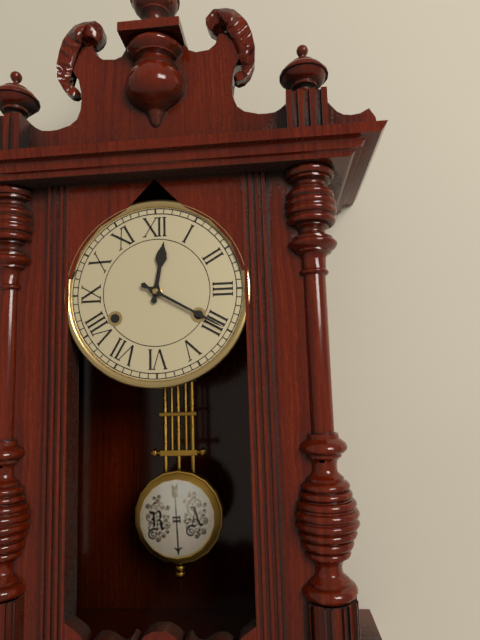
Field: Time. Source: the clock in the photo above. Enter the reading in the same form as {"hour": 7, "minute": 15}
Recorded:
{"hour": 12, "minute": 20}
